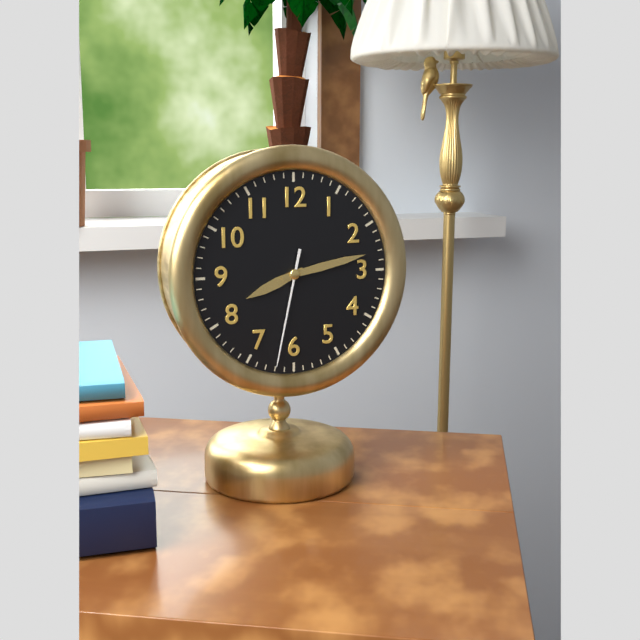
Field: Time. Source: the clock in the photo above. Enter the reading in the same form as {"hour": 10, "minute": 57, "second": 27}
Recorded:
{"hour": 8, "minute": 13, "second": 32}
